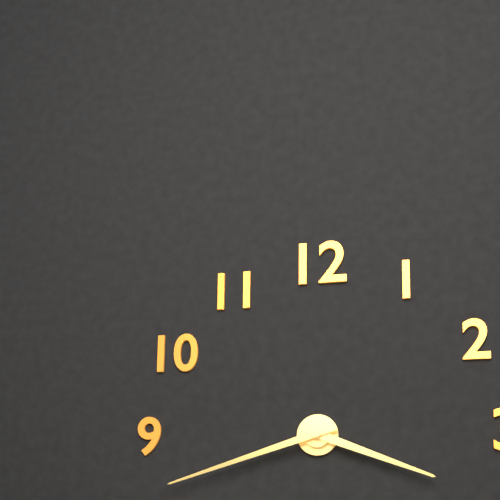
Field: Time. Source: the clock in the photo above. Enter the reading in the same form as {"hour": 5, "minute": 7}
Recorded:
{"hour": 3, "minute": 42}
